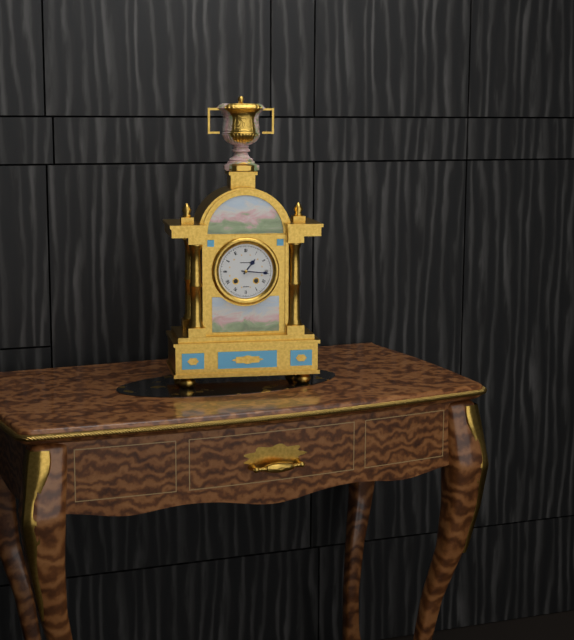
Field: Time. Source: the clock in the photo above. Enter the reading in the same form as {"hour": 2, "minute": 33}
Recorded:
{"hour": 1, "minute": 16}
